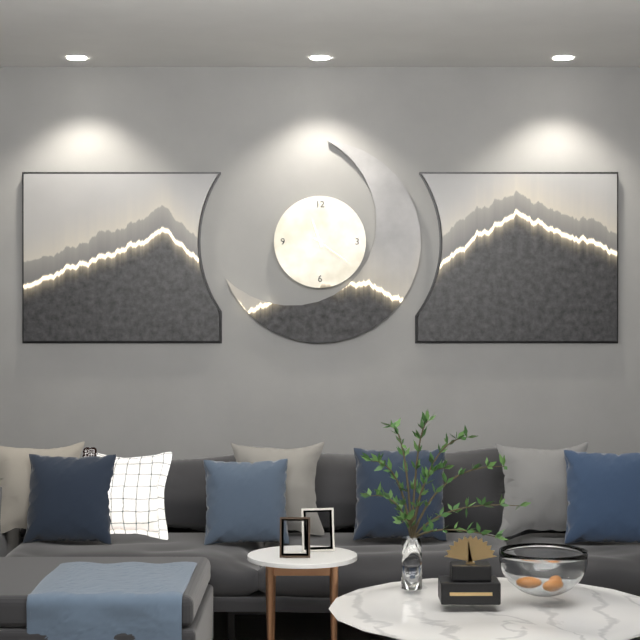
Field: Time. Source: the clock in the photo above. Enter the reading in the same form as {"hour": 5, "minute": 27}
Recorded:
{"hour": 11, "minute": 21}
